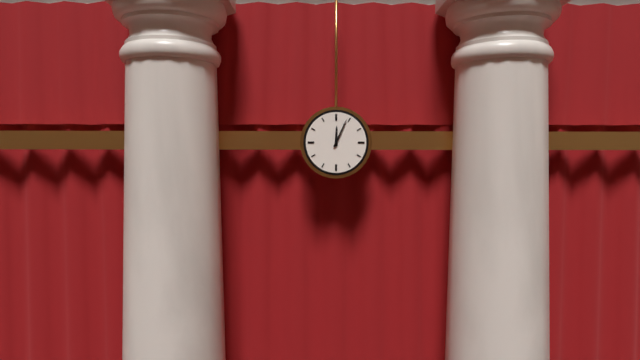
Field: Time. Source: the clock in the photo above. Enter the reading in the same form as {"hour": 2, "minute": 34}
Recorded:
{"hour": 12, "minute": 4}
